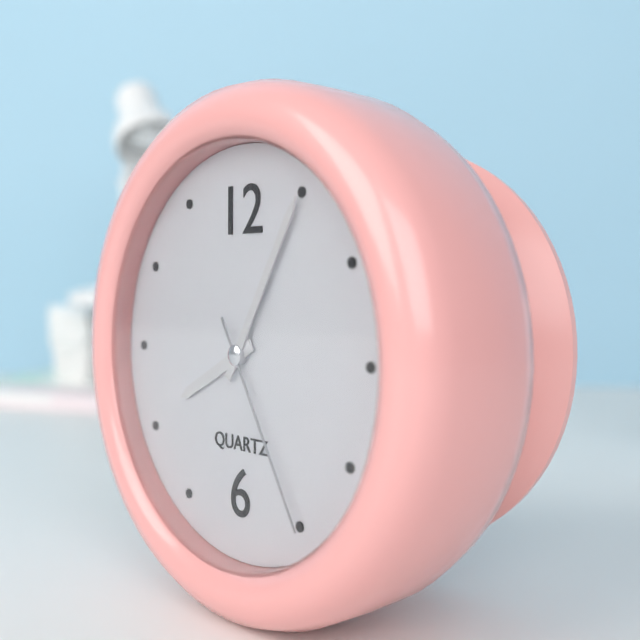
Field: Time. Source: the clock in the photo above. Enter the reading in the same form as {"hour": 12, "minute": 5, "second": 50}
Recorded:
{"hour": 8, "minute": 5, "second": 25}
